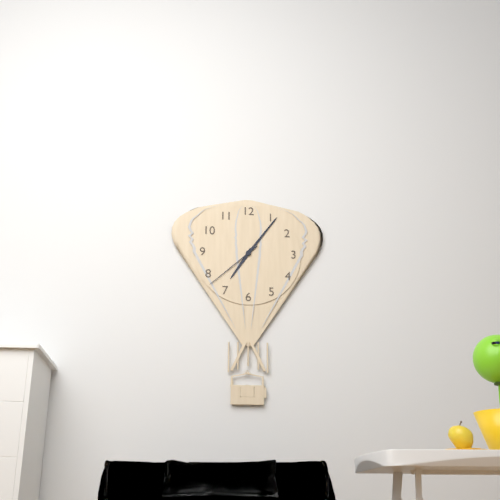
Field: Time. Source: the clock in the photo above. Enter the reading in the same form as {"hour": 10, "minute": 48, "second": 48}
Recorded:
{"hour": 7, "minute": 6, "second": 38}
